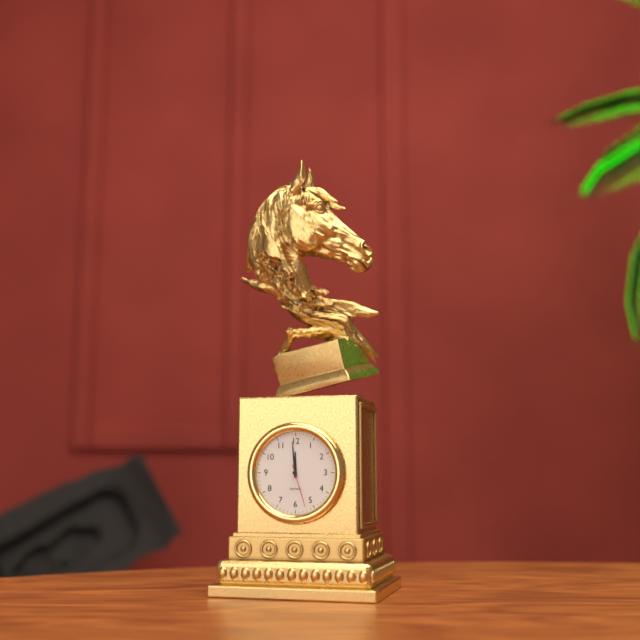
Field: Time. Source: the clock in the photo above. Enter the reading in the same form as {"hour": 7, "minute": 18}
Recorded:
{"hour": 11, "minute": 59}
